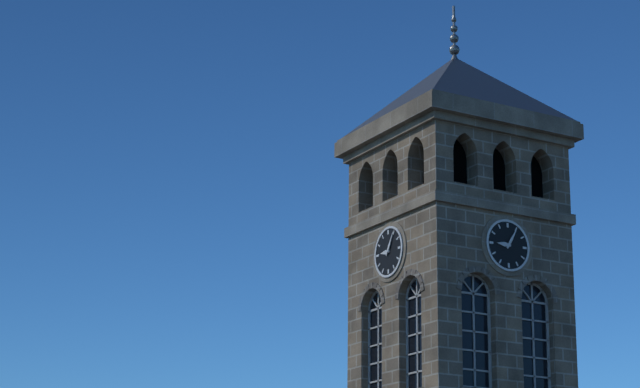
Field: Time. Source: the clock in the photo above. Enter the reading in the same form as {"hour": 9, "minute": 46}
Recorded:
{"hour": 9, "minute": 5}
